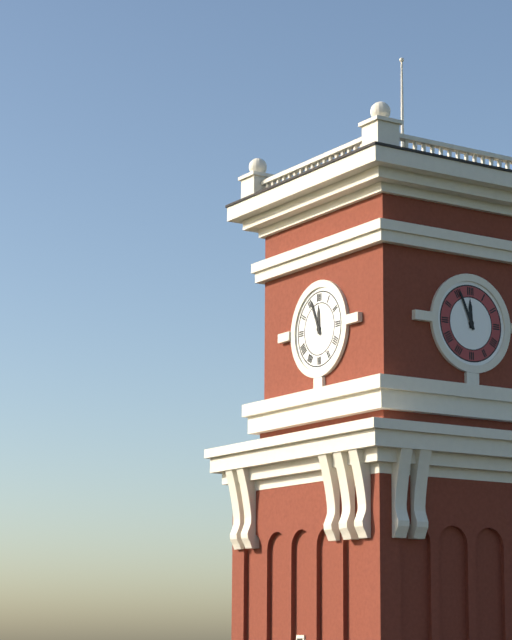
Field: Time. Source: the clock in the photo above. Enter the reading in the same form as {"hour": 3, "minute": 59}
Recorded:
{"hour": 11, "minute": 56}
